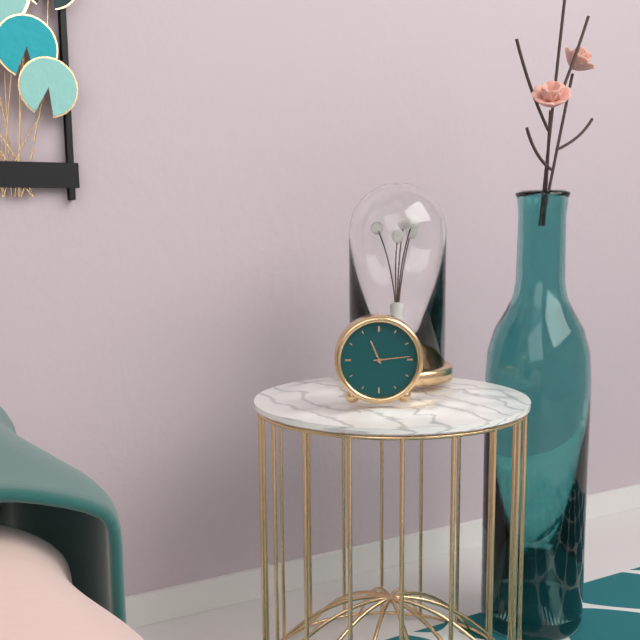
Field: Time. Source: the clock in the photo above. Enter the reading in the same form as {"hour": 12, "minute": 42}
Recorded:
{"hour": 11, "minute": 14}
